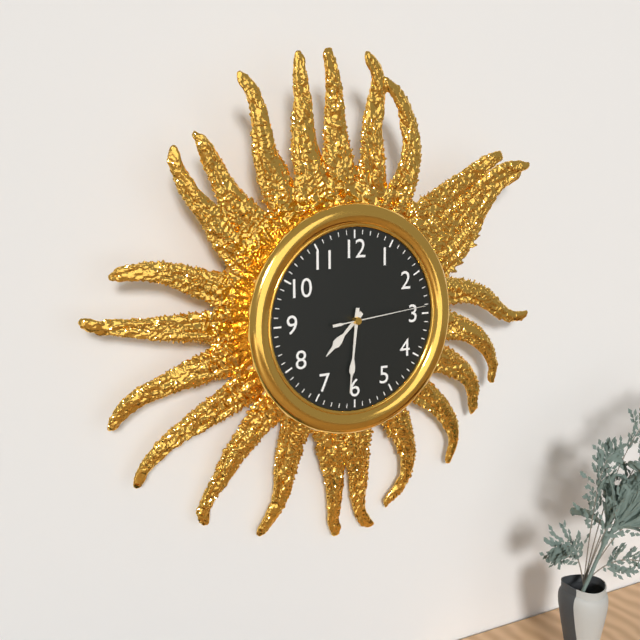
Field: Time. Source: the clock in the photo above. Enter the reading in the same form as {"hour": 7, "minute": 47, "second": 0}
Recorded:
{"hour": 7, "minute": 31, "second": 14}
